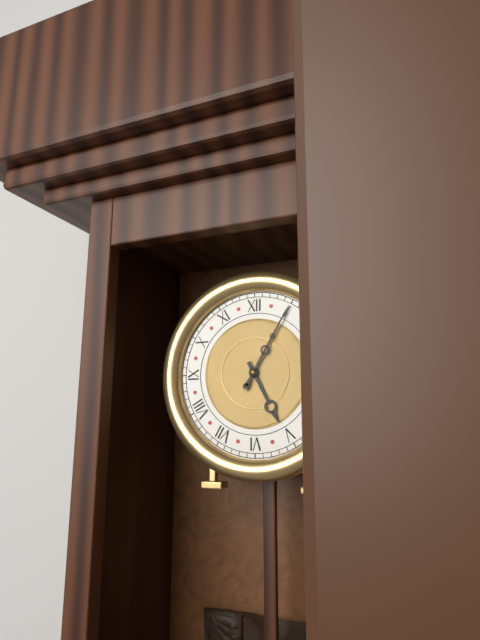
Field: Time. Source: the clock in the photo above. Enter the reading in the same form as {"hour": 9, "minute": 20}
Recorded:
{"hour": 5, "minute": 5}
